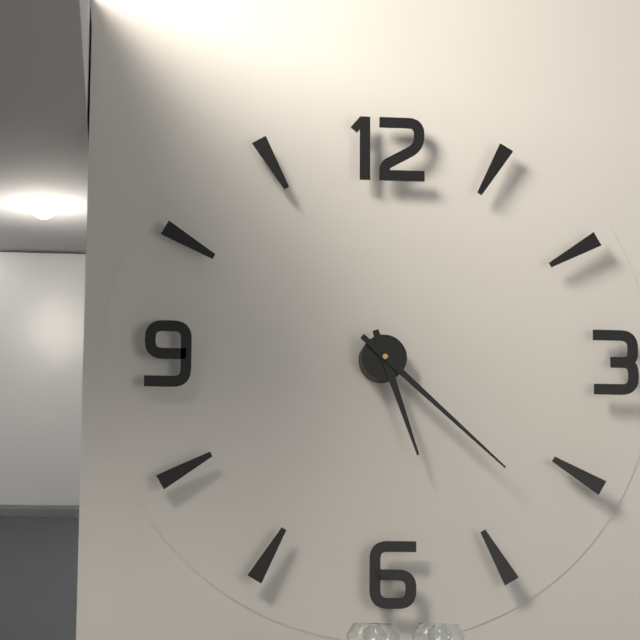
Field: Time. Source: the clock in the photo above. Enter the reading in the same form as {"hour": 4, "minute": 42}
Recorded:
{"hour": 5, "minute": 22}
